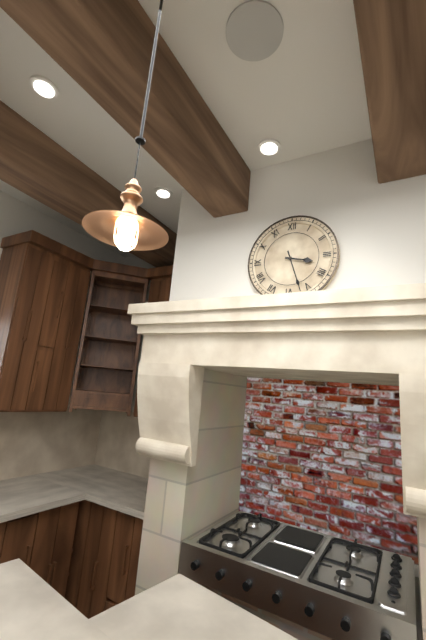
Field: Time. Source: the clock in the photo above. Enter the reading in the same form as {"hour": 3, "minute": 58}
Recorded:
{"hour": 3, "minute": 27}
